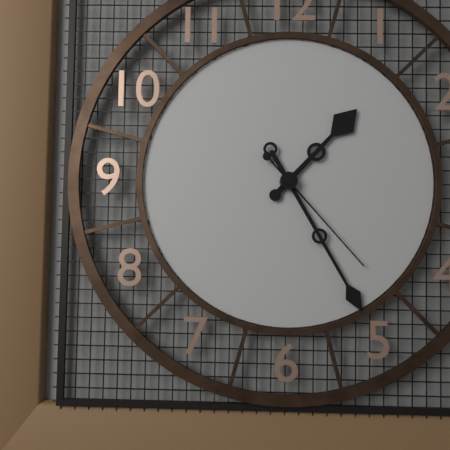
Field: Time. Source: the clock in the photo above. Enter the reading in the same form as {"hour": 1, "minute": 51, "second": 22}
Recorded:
{"hour": 1, "minute": 25, "second": 23}
